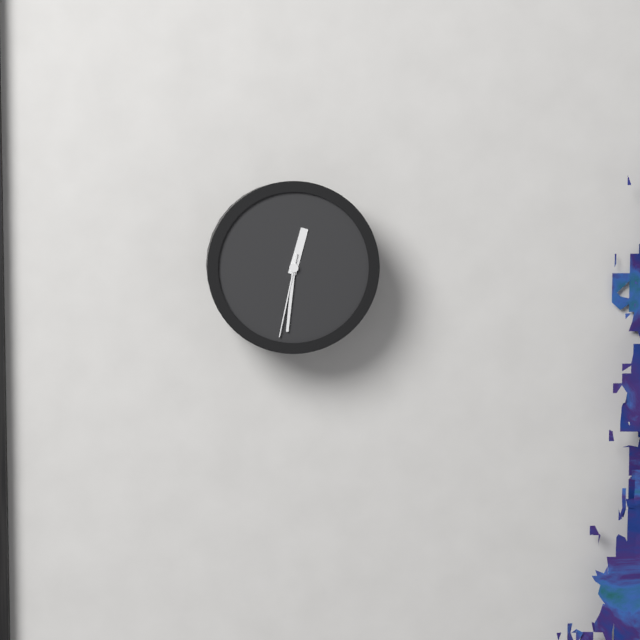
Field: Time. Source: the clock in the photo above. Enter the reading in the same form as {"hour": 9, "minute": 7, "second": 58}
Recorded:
{"hour": 12, "minute": 31, "second": 32}
